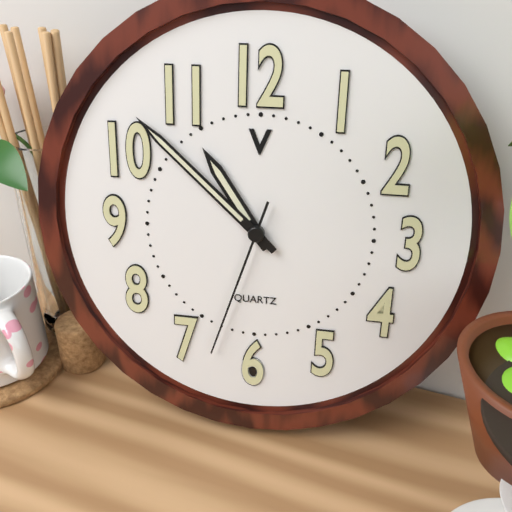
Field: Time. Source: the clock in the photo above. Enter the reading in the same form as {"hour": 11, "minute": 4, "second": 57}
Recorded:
{"hour": 10, "minute": 52, "second": 33}
